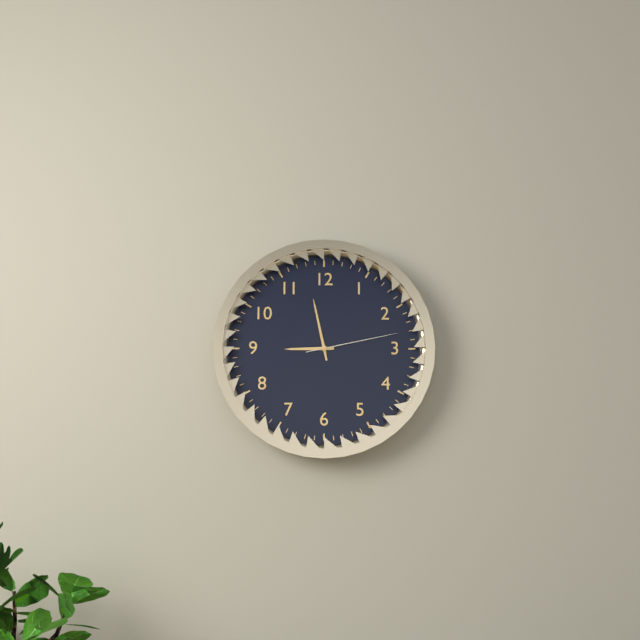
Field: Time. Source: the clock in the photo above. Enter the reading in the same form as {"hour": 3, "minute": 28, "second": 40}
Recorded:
{"hour": 8, "minute": 58, "second": 13}
